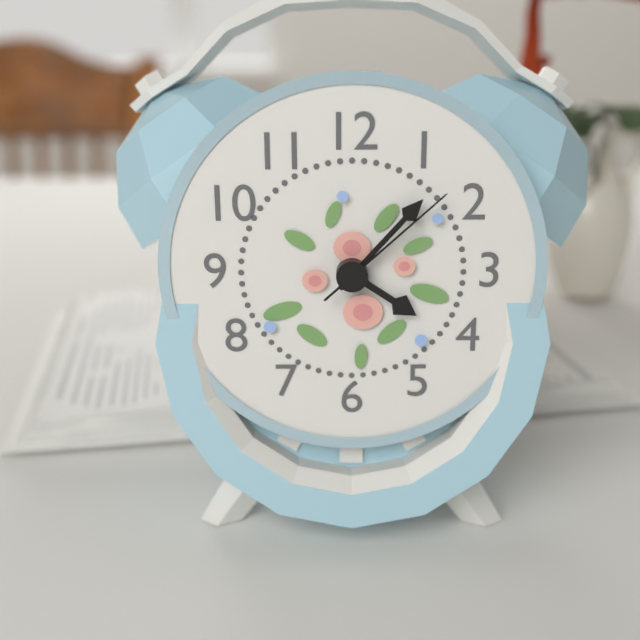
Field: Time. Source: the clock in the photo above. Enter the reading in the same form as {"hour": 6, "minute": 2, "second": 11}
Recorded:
{"hour": 4, "minute": 7, "second": 8}
